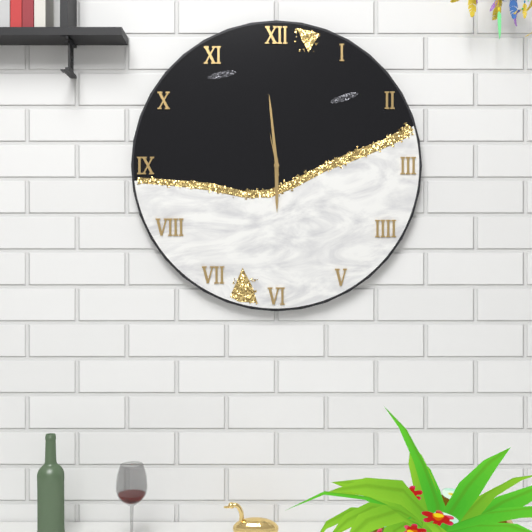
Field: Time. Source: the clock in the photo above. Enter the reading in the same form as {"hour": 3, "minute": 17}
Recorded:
{"hour": 5, "minute": 59}
